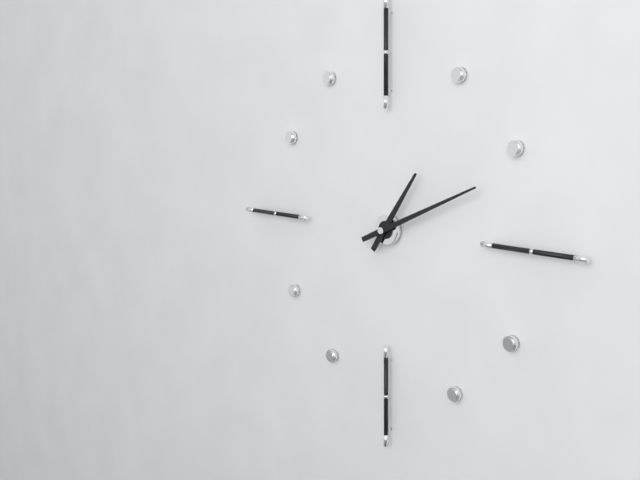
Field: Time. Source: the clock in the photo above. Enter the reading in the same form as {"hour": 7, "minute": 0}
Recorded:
{"hour": 1, "minute": 11}
